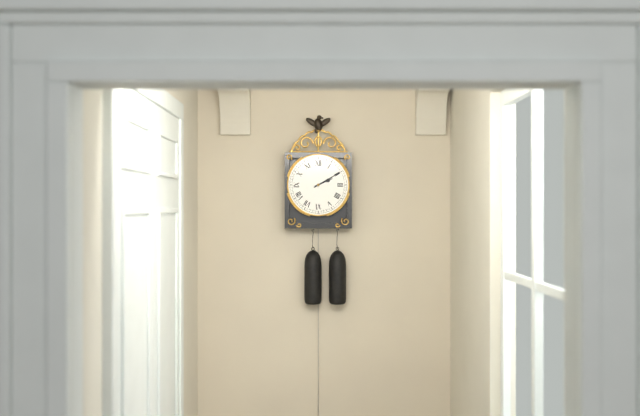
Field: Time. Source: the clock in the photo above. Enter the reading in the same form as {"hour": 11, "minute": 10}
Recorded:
{"hour": 2, "minute": 10}
